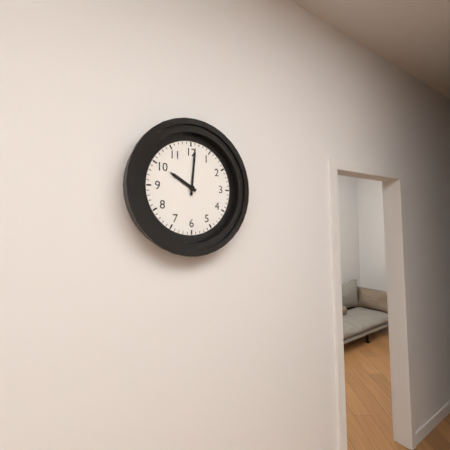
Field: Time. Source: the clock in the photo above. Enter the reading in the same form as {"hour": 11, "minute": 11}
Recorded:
{"hour": 10, "minute": 1}
